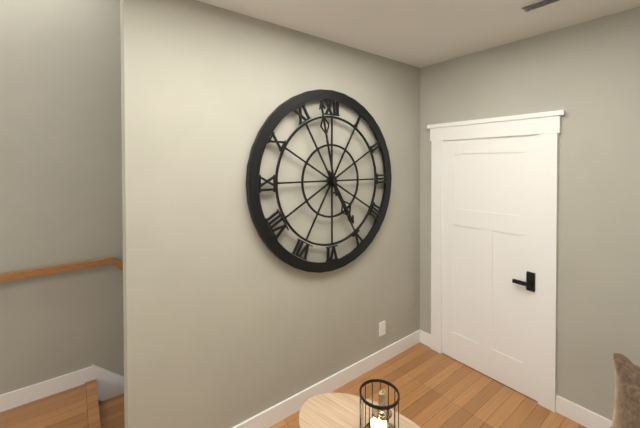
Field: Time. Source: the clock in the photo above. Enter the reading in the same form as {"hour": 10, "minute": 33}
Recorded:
{"hour": 4, "minute": 58}
